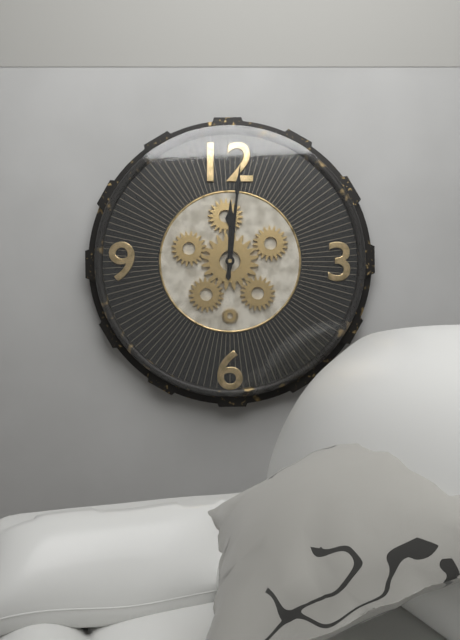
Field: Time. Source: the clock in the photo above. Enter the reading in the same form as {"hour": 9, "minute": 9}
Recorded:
{"hour": 12, "minute": 1}
